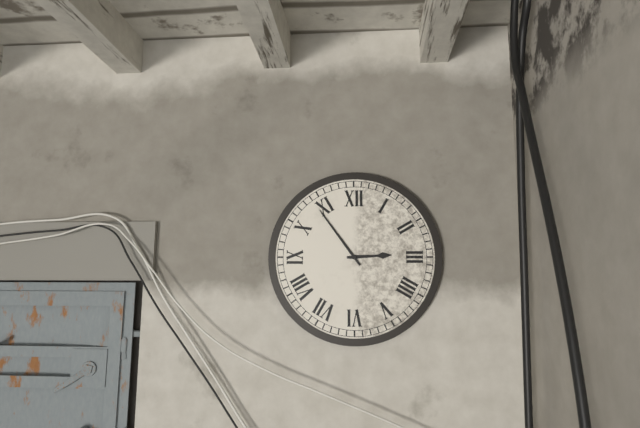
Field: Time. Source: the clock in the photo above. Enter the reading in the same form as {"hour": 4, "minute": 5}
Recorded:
{"hour": 2, "minute": 54}
